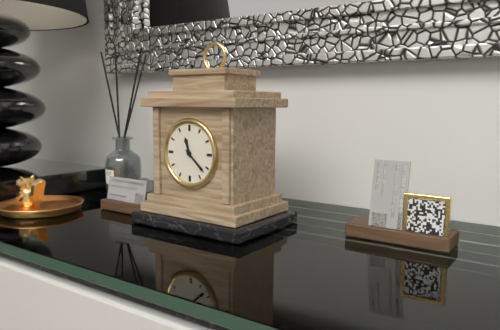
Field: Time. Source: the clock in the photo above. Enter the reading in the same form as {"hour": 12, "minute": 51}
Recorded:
{"hour": 11, "minute": 22}
